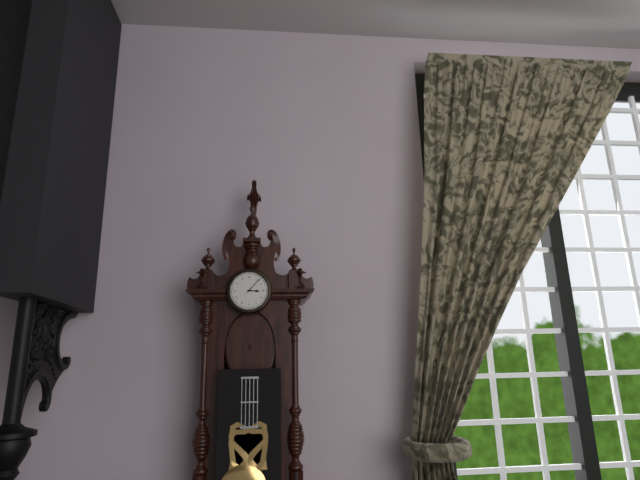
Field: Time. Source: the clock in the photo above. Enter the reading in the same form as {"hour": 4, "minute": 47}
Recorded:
{"hour": 3, "minute": 7}
